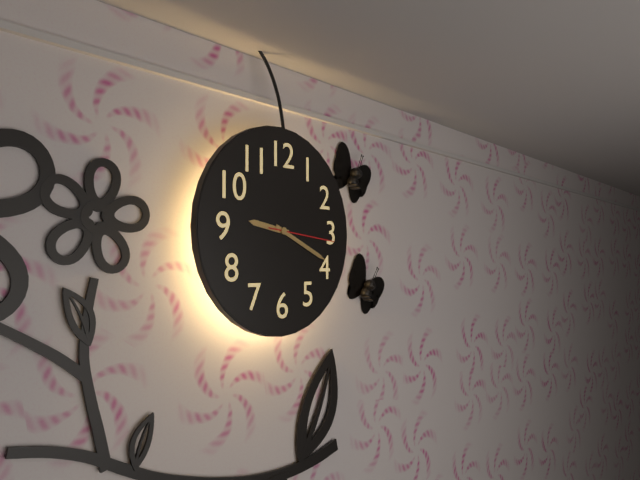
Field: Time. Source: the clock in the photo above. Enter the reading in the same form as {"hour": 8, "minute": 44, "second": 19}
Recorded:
{"hour": 9, "minute": 19, "second": 16}
